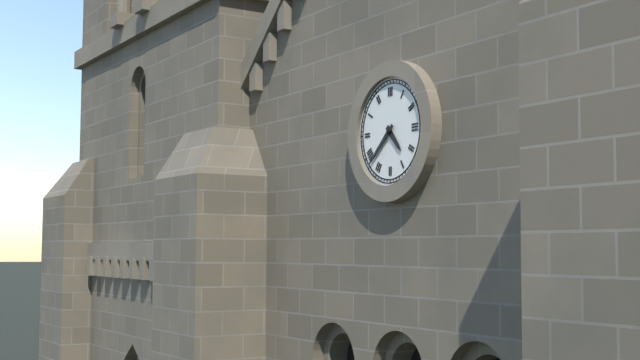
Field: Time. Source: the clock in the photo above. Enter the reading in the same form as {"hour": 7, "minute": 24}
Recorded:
{"hour": 4, "minute": 38}
